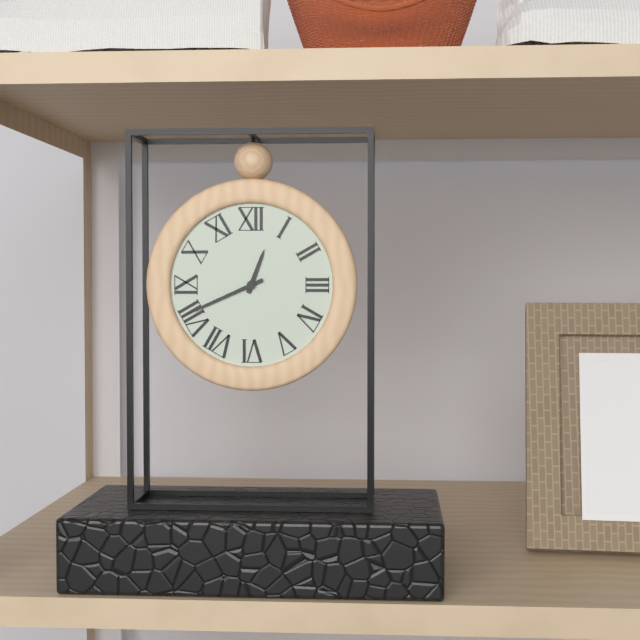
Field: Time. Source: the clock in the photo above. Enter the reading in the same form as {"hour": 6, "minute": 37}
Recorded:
{"hour": 12, "minute": 41}
